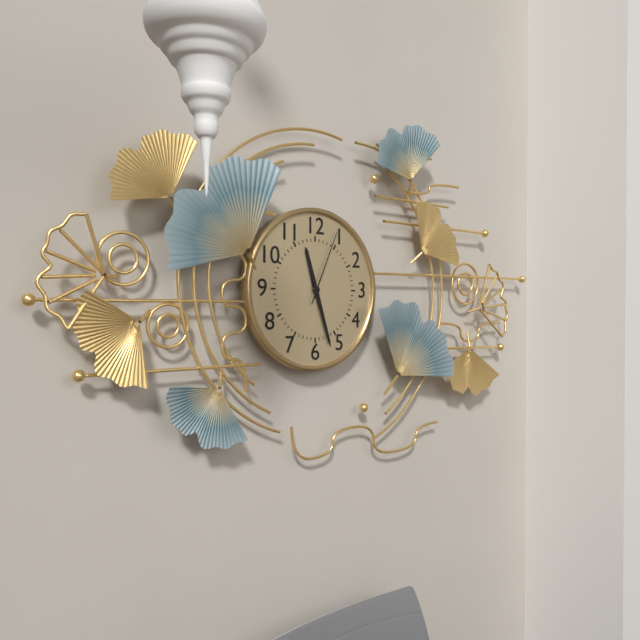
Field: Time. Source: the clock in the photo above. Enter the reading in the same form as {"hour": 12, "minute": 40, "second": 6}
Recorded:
{"hour": 11, "minute": 27, "second": 4}
